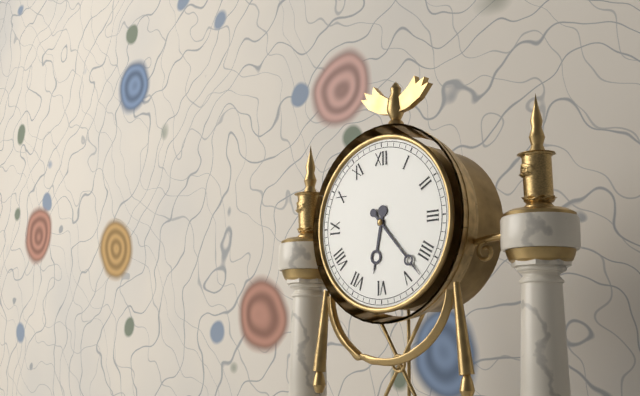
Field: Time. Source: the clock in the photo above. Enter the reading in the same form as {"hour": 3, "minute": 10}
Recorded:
{"hour": 6, "minute": 23}
